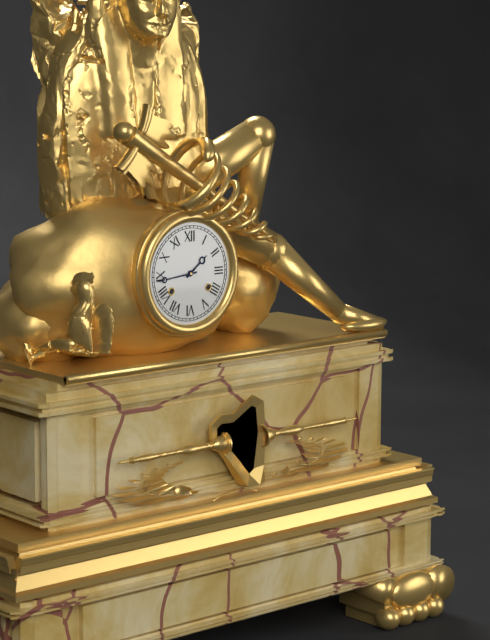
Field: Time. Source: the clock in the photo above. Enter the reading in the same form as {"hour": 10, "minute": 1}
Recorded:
{"hour": 1, "minute": 44}
